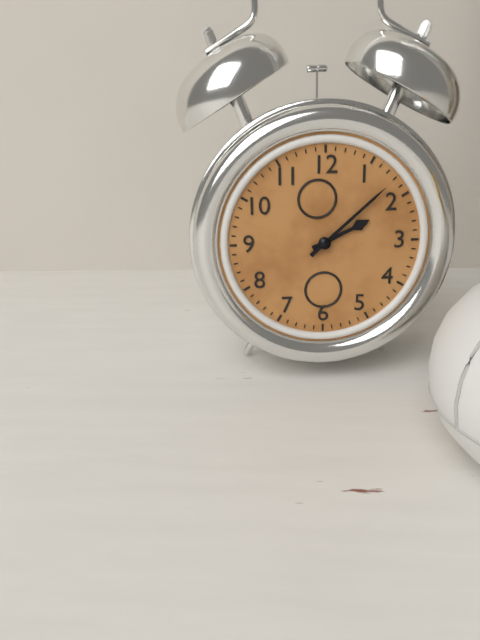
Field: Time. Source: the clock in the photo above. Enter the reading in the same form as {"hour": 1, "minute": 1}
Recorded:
{"hour": 2, "minute": 8}
